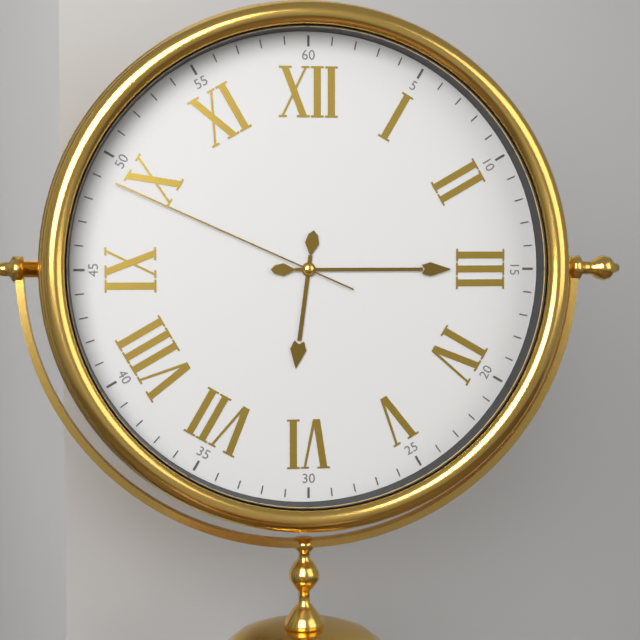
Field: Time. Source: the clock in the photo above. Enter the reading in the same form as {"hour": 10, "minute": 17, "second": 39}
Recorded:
{"hour": 6, "minute": 15, "second": 49}
